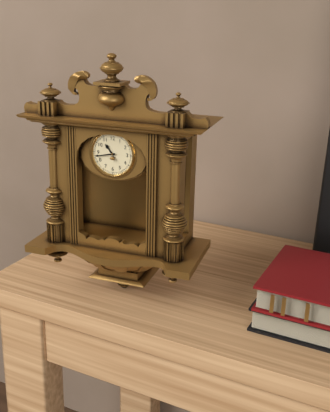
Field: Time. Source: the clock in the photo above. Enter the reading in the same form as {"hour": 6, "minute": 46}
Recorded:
{"hour": 10, "minute": 43}
